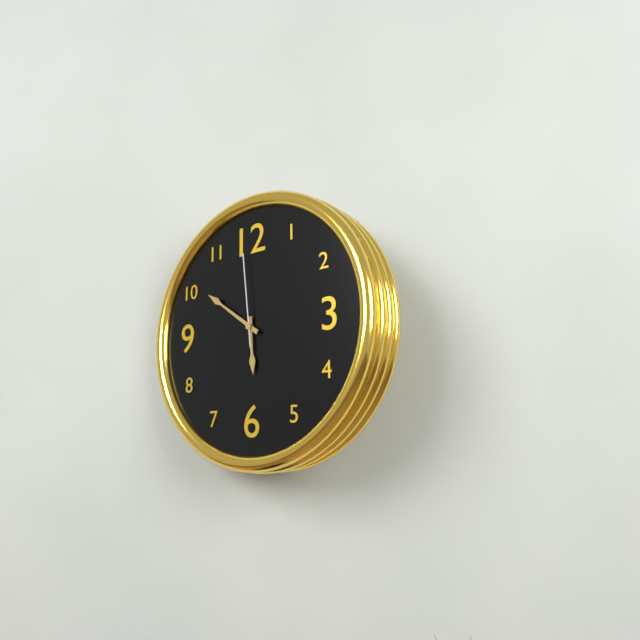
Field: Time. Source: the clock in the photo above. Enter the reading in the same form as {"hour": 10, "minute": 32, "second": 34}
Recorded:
{"hour": 5, "minute": 51, "second": 59}
